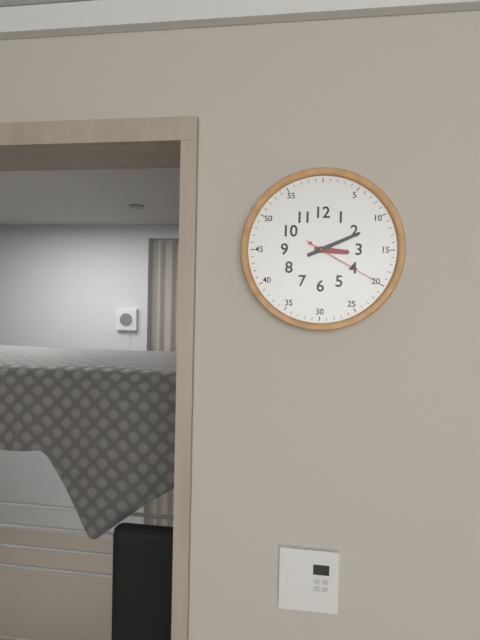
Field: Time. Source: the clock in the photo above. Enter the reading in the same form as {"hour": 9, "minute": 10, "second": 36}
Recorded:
{"hour": 3, "minute": 11, "second": 20}
